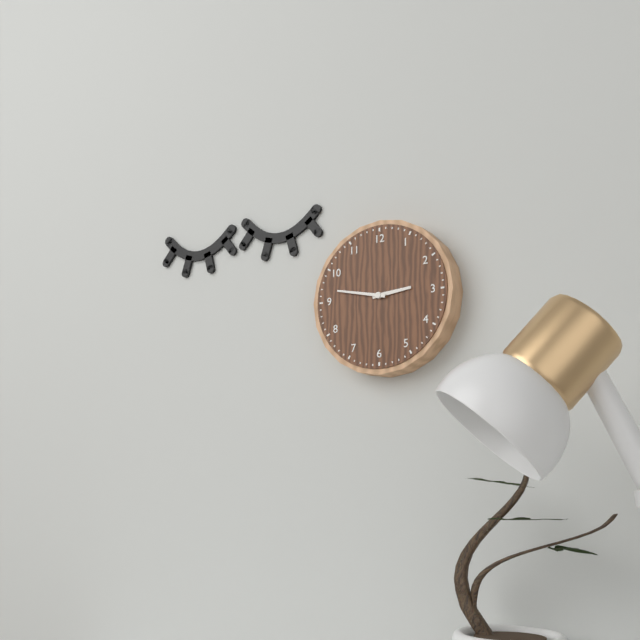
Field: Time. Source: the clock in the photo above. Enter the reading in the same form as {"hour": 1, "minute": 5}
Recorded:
{"hour": 2, "minute": 47}
